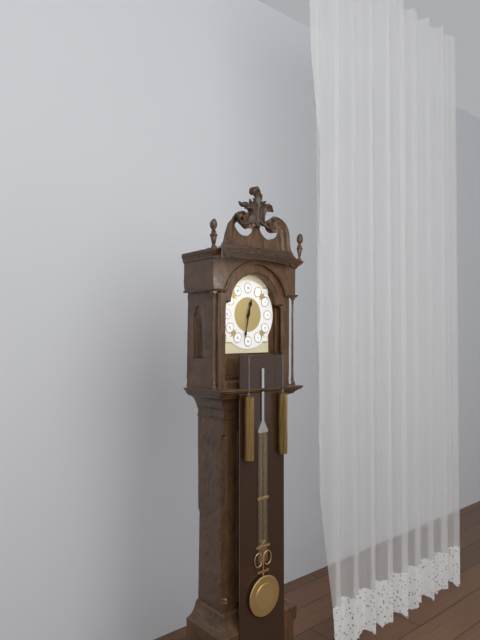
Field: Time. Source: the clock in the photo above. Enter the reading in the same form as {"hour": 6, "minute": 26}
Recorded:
{"hour": 12, "minute": 32}
